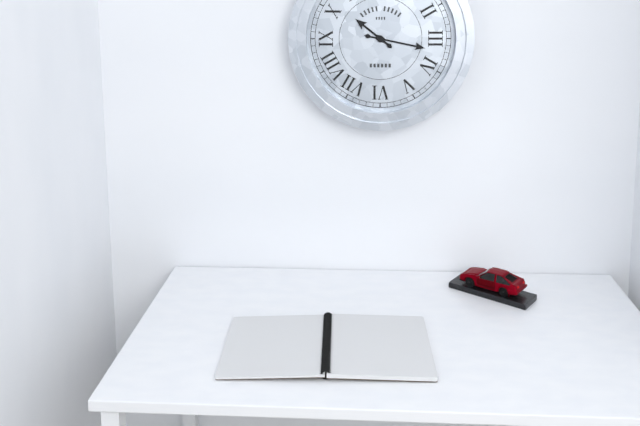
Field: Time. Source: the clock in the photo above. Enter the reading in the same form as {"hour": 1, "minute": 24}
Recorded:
{"hour": 10, "minute": 17}
